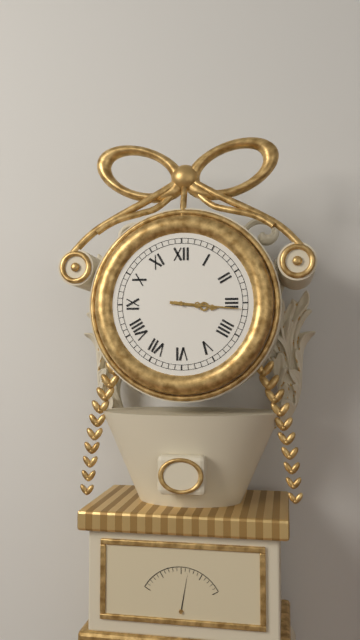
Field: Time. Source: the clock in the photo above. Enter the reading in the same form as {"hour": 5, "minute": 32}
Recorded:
{"hour": 3, "minute": 16}
